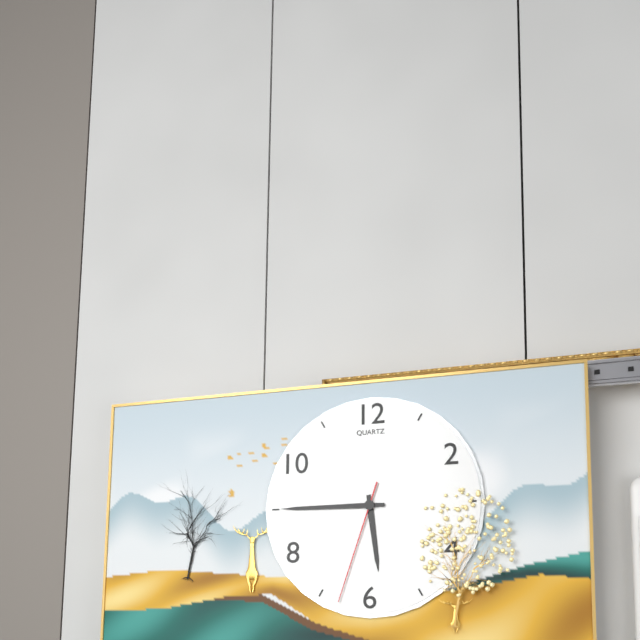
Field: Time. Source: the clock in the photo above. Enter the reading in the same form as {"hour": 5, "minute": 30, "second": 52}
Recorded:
{"hour": 5, "minute": 45, "second": 33}
